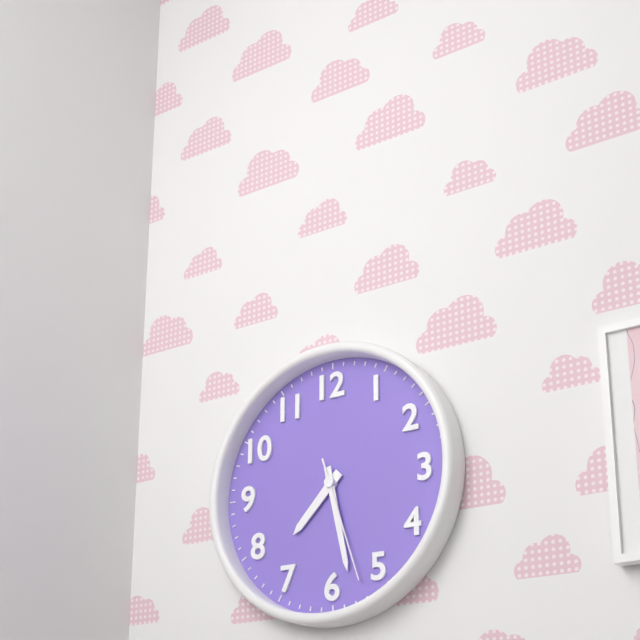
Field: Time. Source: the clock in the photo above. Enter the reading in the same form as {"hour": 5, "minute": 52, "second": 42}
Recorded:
{"hour": 7, "minute": 28, "second": 27}
